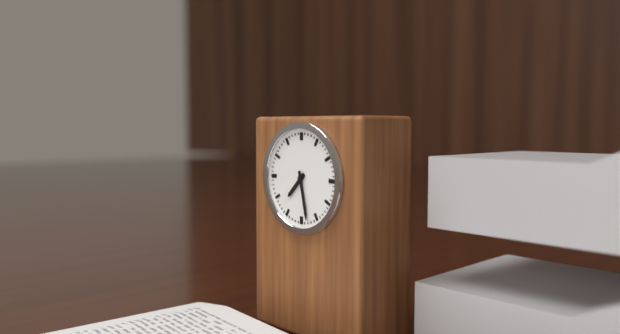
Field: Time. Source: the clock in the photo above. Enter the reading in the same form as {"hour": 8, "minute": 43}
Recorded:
{"hour": 7, "minute": 28}
